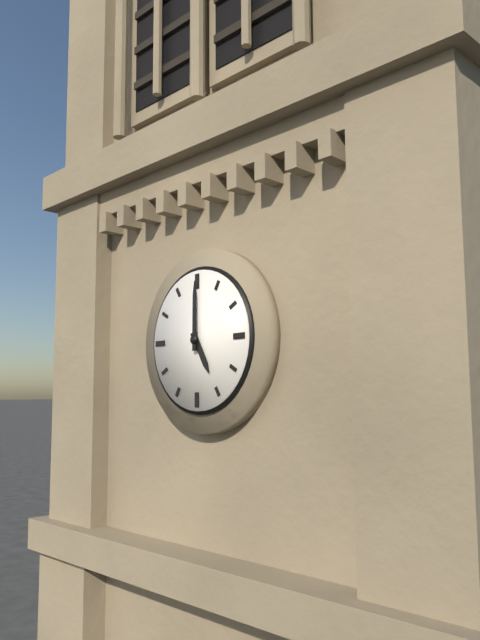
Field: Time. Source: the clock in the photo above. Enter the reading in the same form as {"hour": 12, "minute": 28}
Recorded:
{"hour": 5, "minute": 0}
